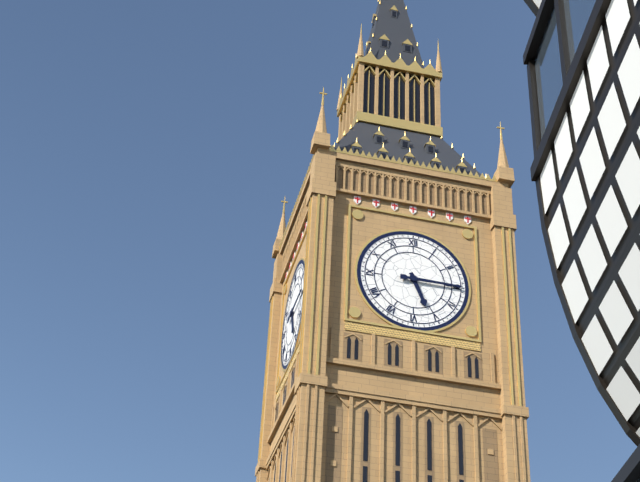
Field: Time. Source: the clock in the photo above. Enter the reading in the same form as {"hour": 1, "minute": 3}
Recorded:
{"hour": 5, "minute": 15}
